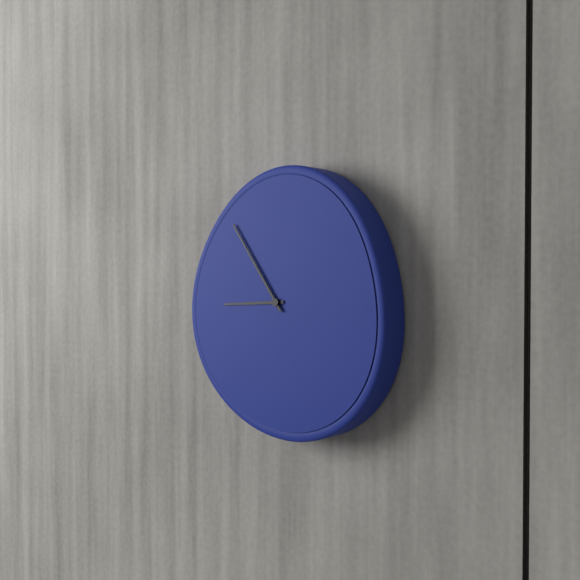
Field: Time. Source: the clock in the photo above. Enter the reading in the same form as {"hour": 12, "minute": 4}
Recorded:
{"hour": 8, "minute": 54}
